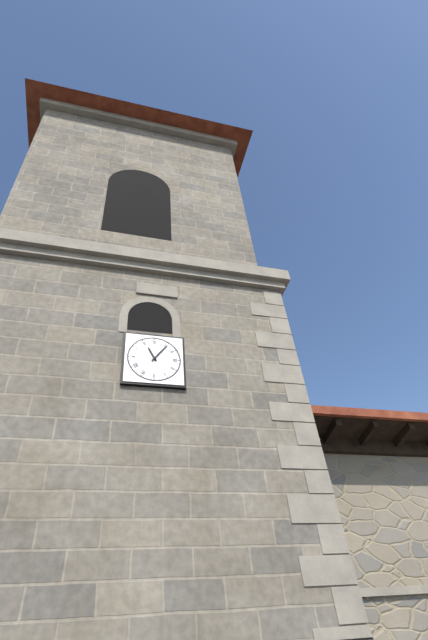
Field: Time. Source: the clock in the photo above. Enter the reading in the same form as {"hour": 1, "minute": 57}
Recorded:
{"hour": 11, "minute": 6}
